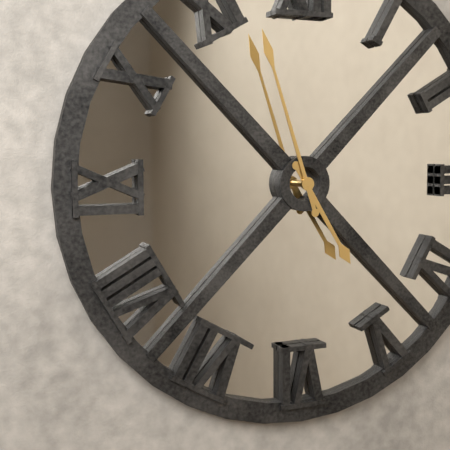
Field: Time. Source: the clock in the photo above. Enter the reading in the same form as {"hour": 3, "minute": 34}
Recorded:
{"hour": 4, "minute": 57}
